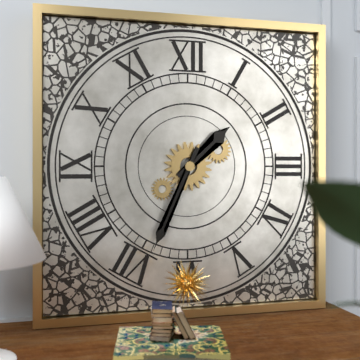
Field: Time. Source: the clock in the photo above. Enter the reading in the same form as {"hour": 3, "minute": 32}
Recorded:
{"hour": 1, "minute": 34}
